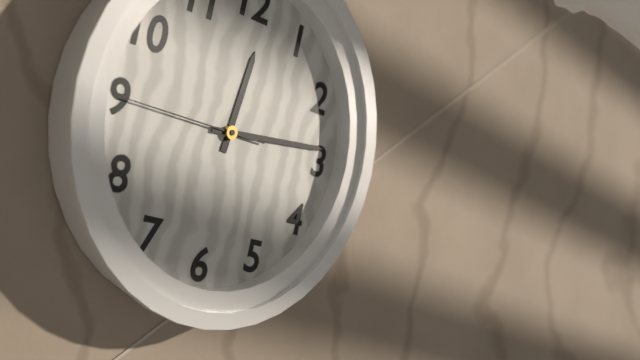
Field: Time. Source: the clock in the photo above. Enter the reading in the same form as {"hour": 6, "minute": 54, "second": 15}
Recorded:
{"hour": 12, "minute": 14, "second": 45}
